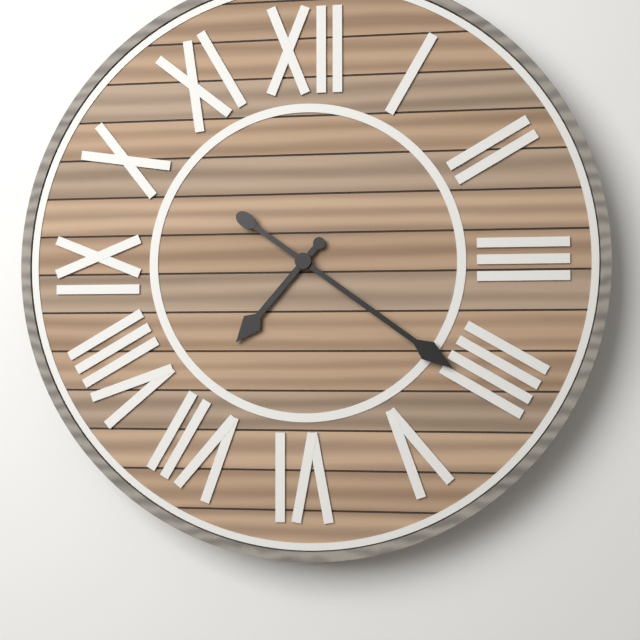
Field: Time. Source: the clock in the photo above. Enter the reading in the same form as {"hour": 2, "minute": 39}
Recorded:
{"hour": 7, "minute": 21}
